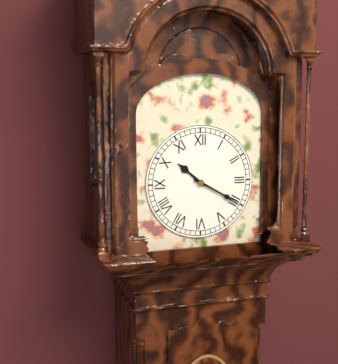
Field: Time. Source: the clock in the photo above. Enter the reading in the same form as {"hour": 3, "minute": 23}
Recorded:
{"hour": 10, "minute": 20}
